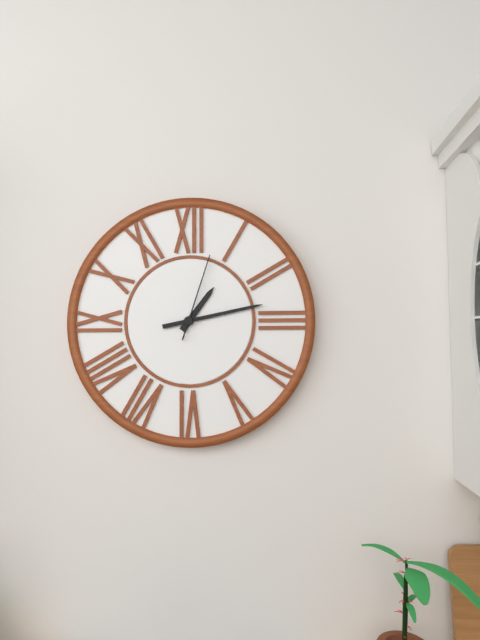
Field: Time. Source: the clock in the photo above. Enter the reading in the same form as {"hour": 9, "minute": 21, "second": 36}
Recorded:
{"hour": 1, "minute": 13, "second": 3}
